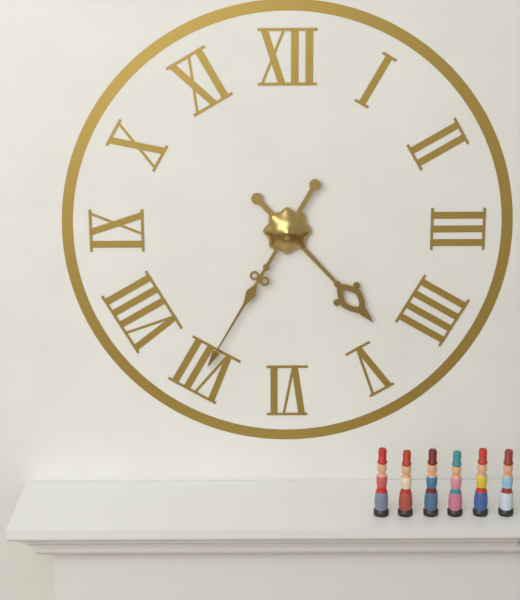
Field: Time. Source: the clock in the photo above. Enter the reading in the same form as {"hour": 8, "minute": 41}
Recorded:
{"hour": 4, "minute": 35}
